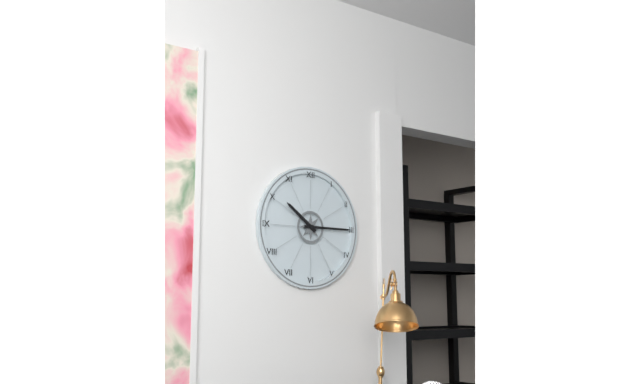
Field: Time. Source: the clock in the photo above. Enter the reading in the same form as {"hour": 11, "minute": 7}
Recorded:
{"hour": 10, "minute": 15}
